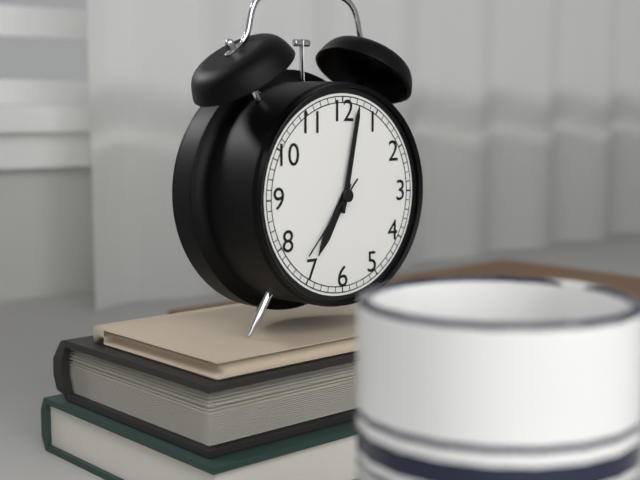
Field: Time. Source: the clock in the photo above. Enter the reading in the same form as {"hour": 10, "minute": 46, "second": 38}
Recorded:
{"hour": 7, "minute": 2, "second": 37}
